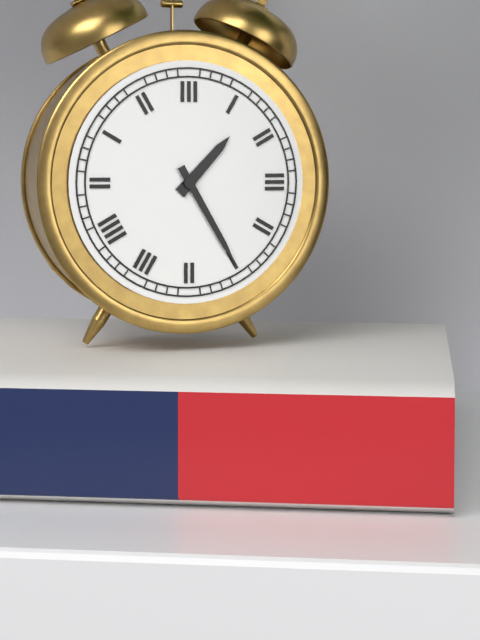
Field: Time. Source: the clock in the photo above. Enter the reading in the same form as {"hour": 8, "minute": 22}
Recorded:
{"hour": 1, "minute": 25}
